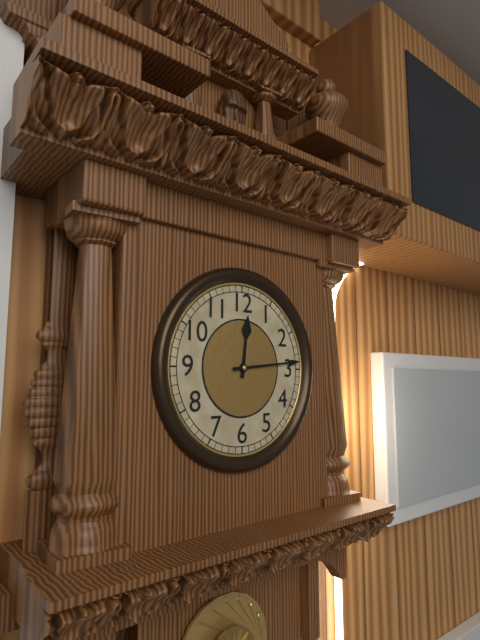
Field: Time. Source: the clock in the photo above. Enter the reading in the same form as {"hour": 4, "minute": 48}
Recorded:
{"hour": 12, "minute": 14}
